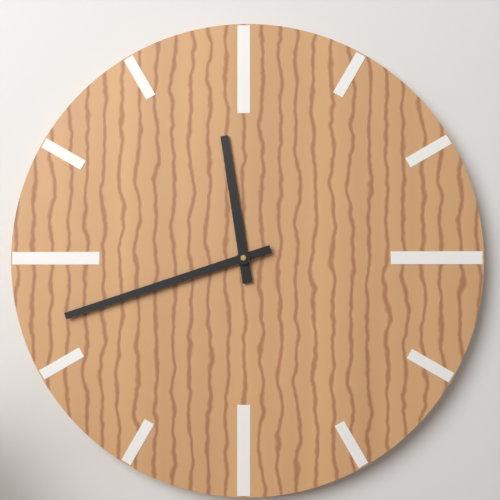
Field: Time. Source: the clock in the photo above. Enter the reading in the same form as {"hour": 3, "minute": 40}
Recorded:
{"hour": 11, "minute": 42}
